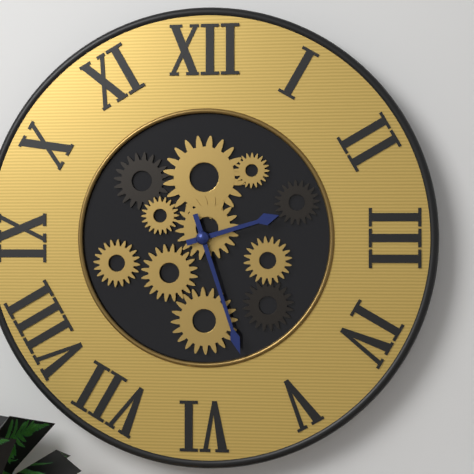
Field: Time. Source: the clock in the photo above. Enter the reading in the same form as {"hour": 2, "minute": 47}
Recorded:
{"hour": 2, "minute": 27}
